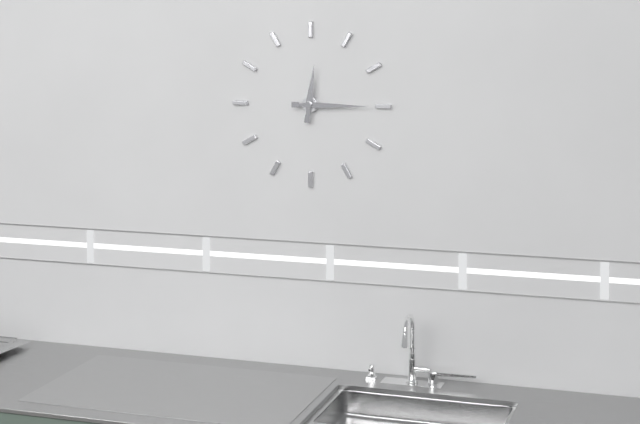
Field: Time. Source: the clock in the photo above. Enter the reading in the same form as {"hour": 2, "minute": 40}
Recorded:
{"hour": 12, "minute": 15}
